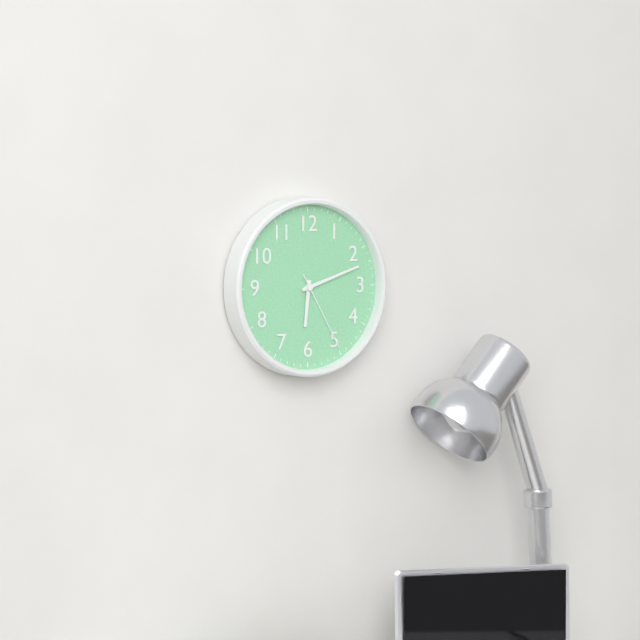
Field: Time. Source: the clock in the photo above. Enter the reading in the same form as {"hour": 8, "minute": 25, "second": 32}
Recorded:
{"hour": 6, "minute": 12, "second": 25}
